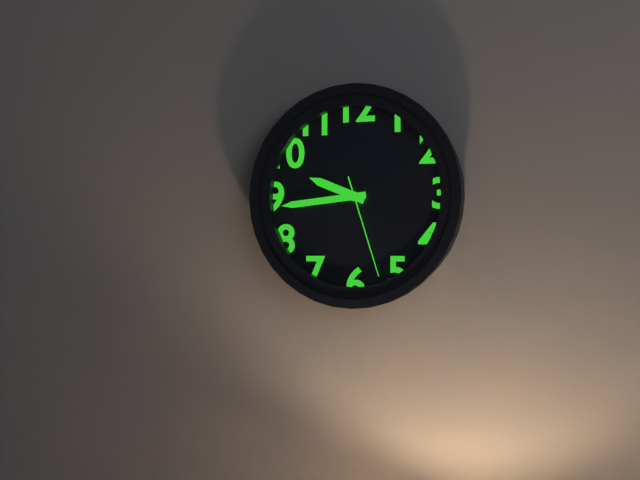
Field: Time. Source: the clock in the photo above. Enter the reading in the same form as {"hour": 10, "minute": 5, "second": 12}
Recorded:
{"hour": 9, "minute": 44, "second": 27}
